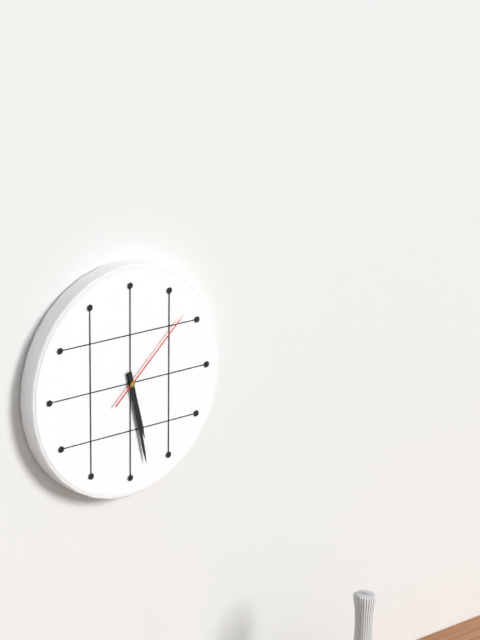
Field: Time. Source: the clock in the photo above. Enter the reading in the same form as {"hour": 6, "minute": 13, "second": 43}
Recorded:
{"hour": 5, "minute": 28, "second": 8}
